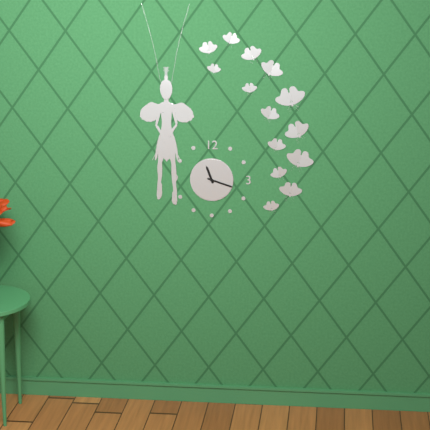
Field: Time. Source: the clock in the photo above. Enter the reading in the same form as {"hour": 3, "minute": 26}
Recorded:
{"hour": 11, "minute": 18}
